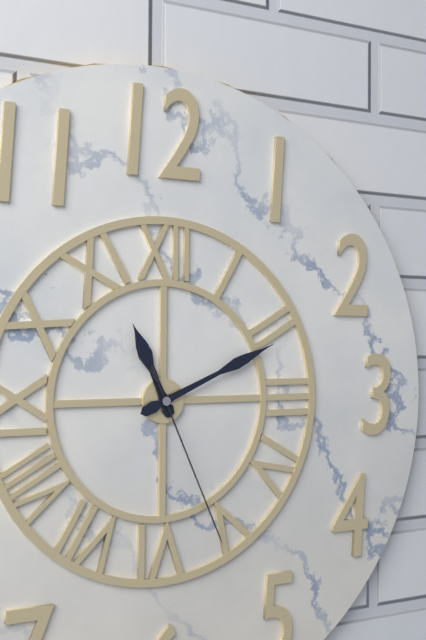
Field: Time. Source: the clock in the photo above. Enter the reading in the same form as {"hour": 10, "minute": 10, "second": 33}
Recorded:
{"hour": 11, "minute": 11, "second": 26}
